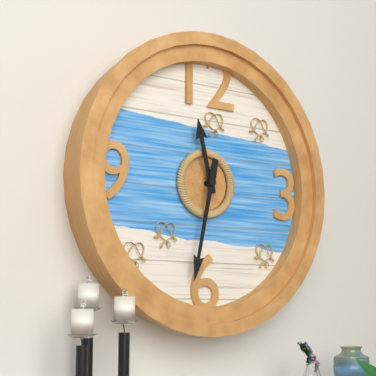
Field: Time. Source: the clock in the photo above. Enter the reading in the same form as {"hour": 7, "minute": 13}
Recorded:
{"hour": 11, "minute": 32}
